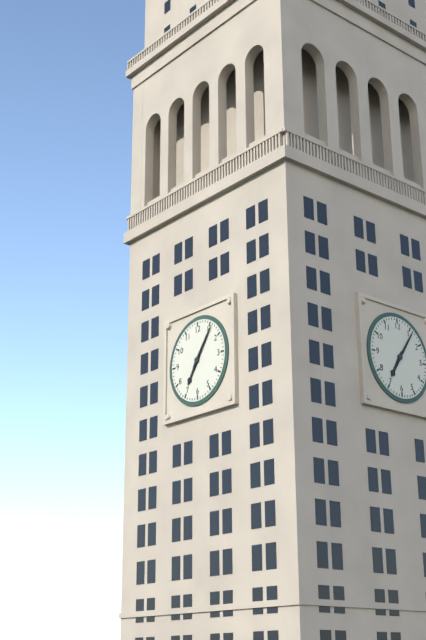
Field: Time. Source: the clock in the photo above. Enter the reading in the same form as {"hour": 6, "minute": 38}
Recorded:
{"hour": 7, "minute": 6}
